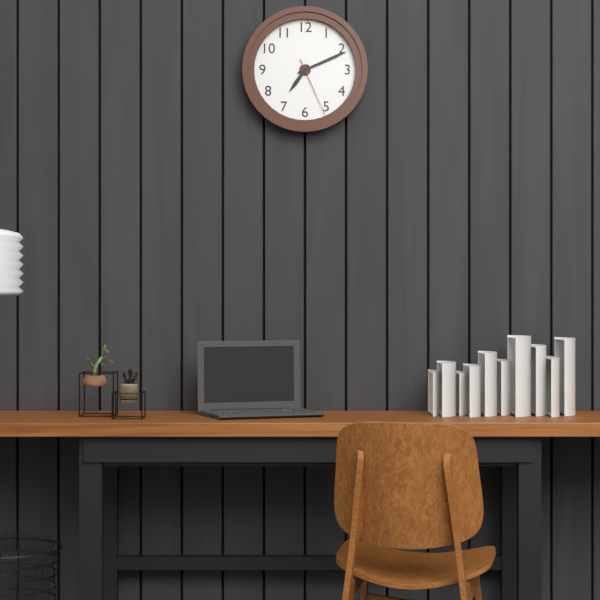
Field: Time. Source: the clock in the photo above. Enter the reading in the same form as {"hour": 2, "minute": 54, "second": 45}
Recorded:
{"hour": 7, "minute": 11, "second": 26}
